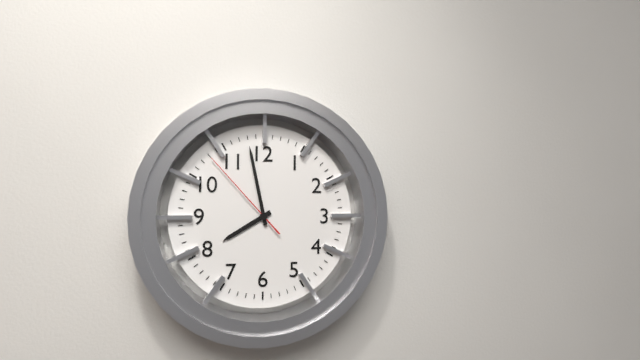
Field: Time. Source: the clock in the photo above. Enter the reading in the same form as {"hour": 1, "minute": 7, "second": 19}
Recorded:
{"hour": 7, "minute": 58, "second": 53}
